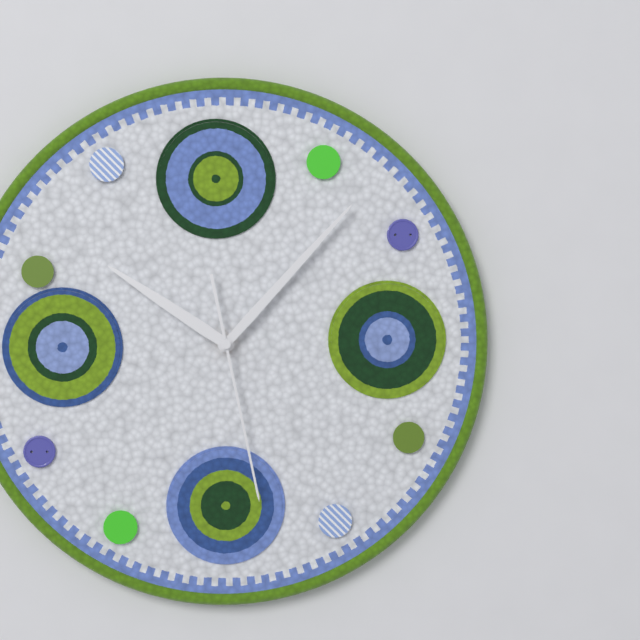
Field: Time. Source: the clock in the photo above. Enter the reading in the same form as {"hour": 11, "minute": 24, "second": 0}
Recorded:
{"hour": 10, "minute": 7, "second": 28}
